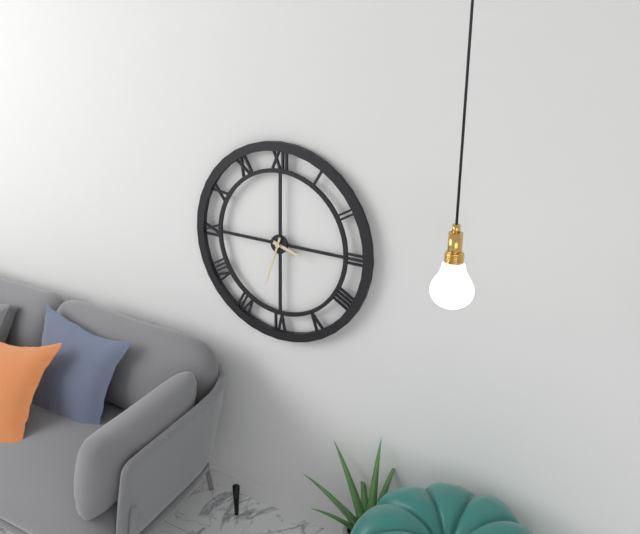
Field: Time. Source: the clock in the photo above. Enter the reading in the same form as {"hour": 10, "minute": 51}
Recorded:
{"hour": 3, "minute": 33}
